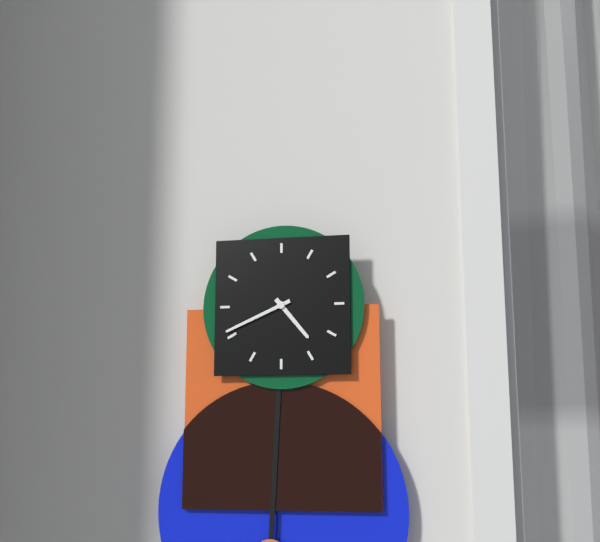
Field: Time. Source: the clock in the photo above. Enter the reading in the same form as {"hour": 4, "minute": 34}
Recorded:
{"hour": 4, "minute": 41}
